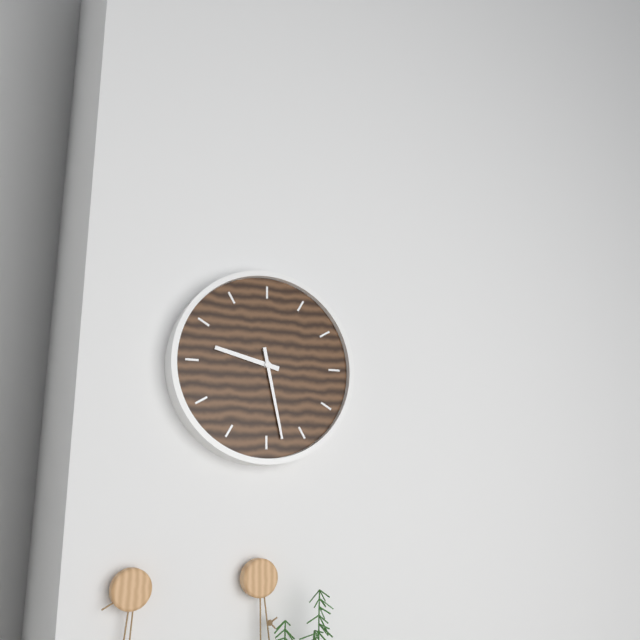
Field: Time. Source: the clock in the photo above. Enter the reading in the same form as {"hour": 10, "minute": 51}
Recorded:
{"hour": 9, "minute": 28}
